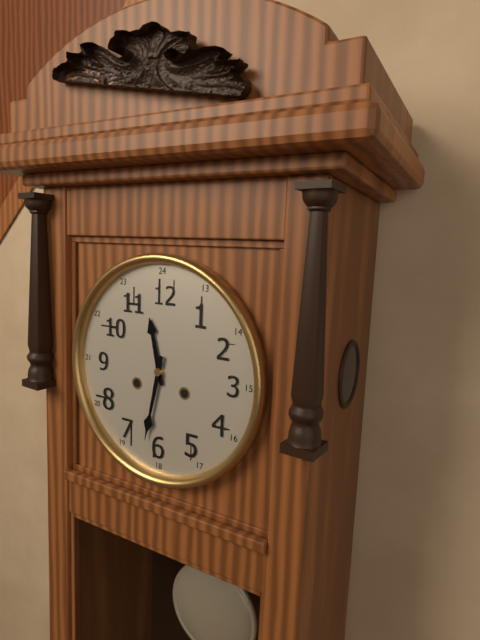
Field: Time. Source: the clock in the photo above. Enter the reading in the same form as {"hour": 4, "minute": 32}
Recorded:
{"hour": 11, "minute": 32}
